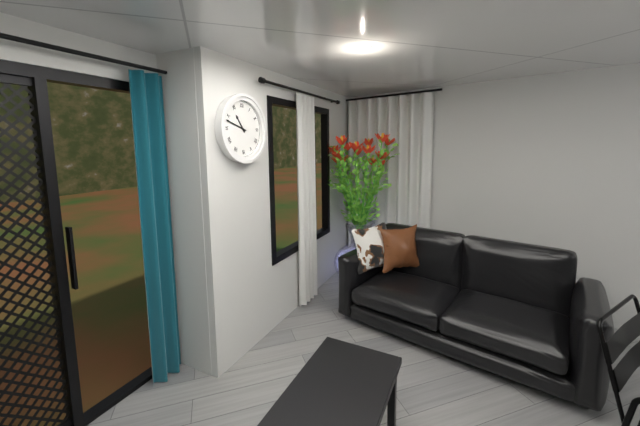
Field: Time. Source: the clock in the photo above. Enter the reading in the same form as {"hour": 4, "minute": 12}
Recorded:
{"hour": 10, "minute": 48}
